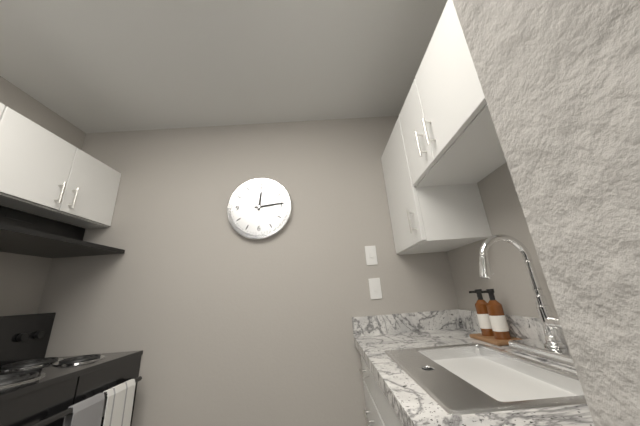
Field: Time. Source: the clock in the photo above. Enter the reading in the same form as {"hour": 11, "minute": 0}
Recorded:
{"hour": 12, "minute": 14}
